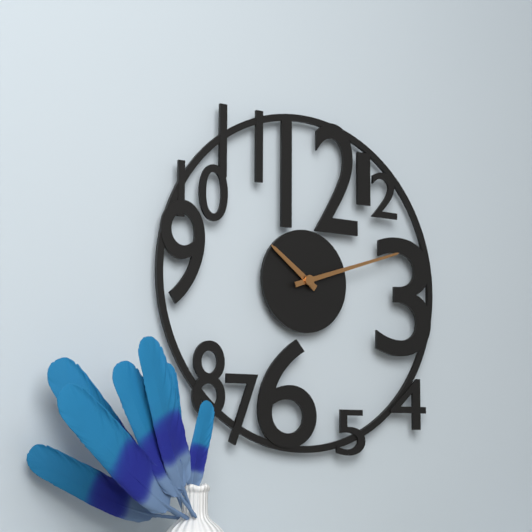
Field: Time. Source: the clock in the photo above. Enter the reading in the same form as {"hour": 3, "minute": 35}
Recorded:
{"hour": 10, "minute": 12}
